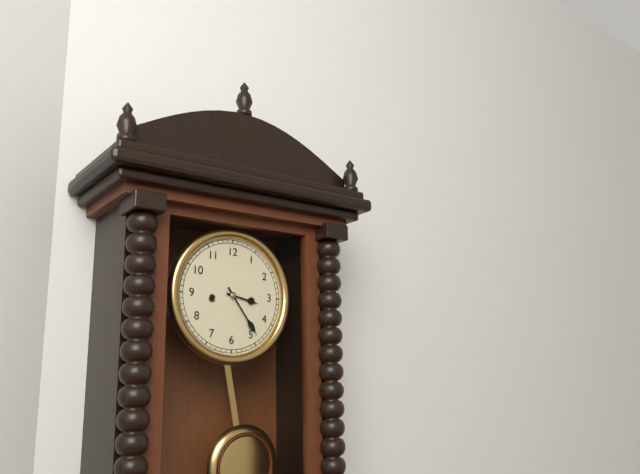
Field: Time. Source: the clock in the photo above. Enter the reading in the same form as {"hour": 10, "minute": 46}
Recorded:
{"hour": 3, "minute": 24}
